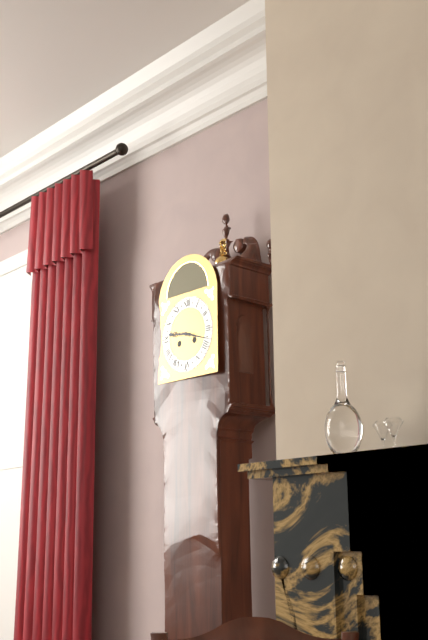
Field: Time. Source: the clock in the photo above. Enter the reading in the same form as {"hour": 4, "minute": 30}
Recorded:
{"hour": 9, "minute": 18}
